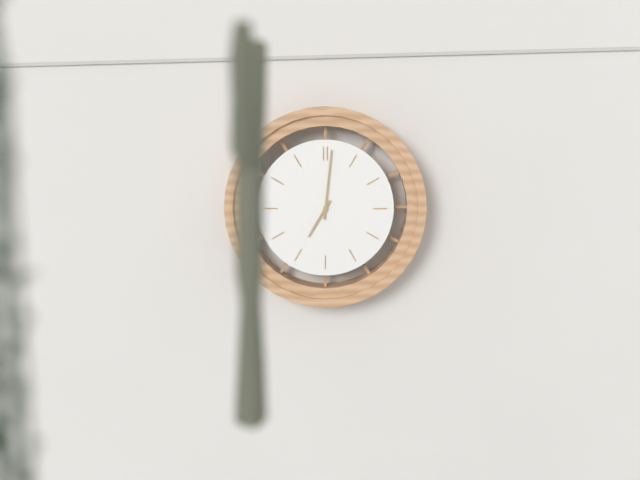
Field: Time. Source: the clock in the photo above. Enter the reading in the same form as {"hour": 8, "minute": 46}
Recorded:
{"hour": 7, "minute": 1}
